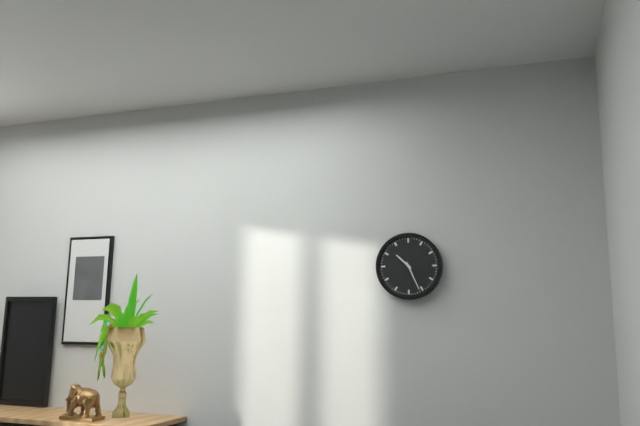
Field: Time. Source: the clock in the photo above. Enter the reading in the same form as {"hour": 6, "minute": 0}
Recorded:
{"hour": 10, "minute": 26}
